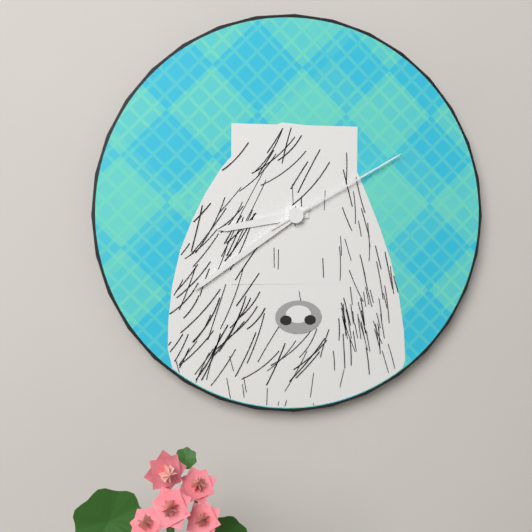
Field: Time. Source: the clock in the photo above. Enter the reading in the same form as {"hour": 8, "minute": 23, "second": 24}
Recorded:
{"hour": 8, "minute": 39, "second": 10}
